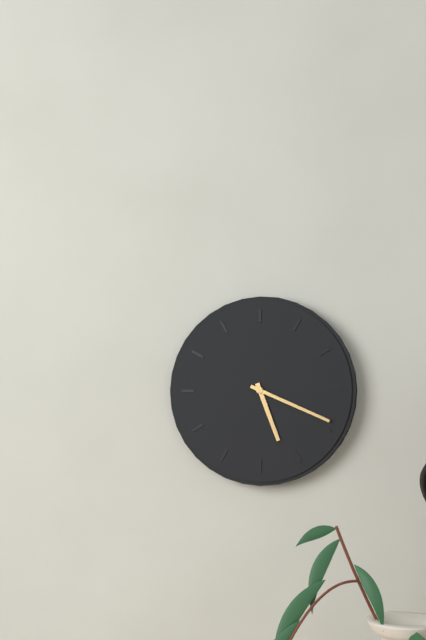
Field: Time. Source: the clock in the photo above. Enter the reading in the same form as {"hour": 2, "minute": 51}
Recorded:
{"hour": 5, "minute": 19}
